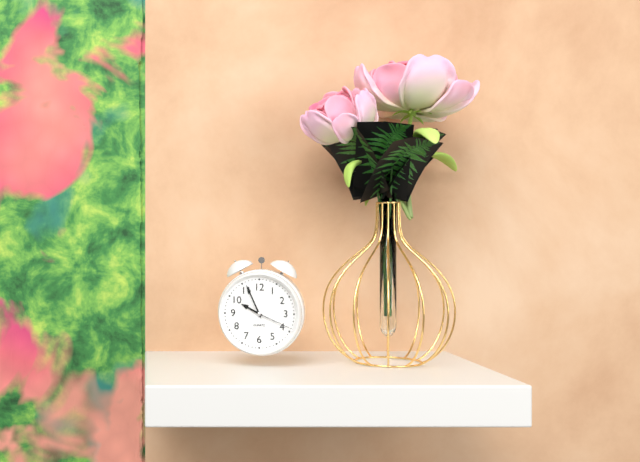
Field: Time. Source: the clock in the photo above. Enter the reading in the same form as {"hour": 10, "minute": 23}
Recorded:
{"hour": 9, "minute": 56}
